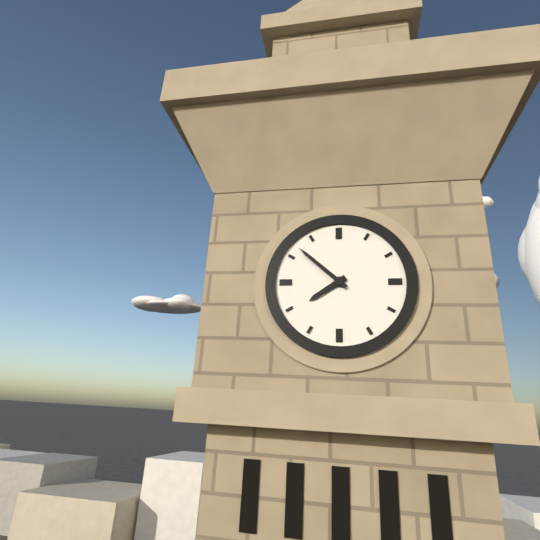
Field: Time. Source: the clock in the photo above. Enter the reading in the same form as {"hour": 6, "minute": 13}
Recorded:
{"hour": 7, "minute": 52}
